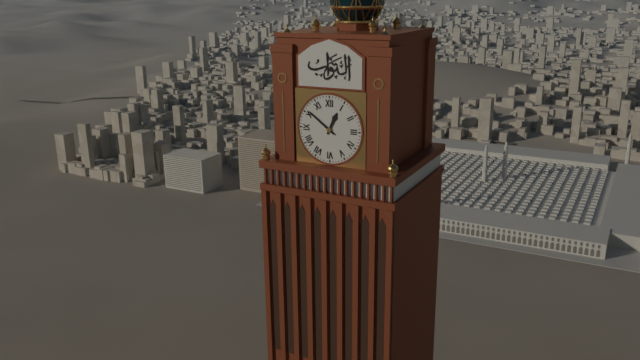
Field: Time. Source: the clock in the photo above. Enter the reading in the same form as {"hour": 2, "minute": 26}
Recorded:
{"hour": 12, "minute": 51}
